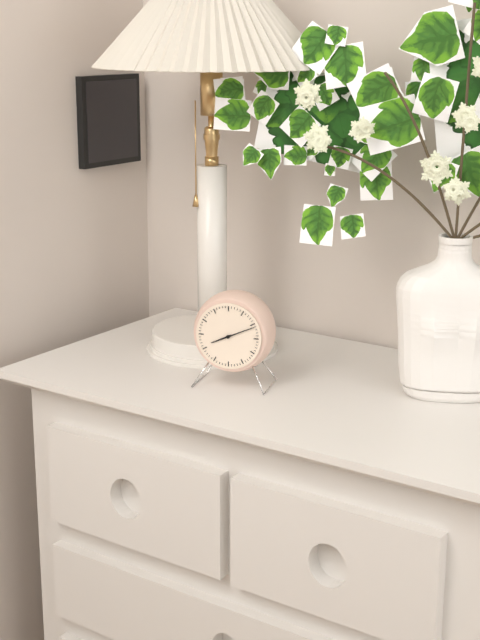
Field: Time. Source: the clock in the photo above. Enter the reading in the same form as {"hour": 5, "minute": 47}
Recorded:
{"hour": 8, "minute": 11}
